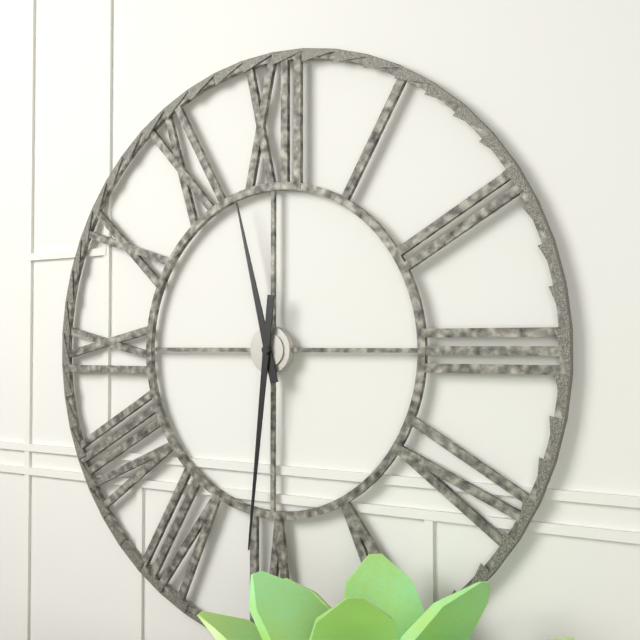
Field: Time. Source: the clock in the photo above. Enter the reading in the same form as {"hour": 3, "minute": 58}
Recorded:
{"hour": 11, "minute": 31}
